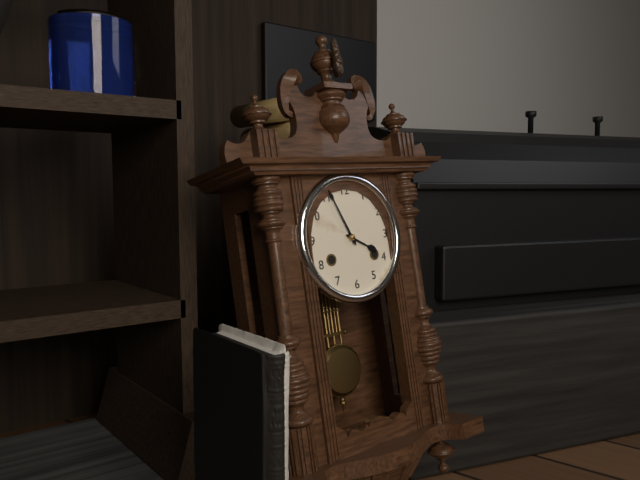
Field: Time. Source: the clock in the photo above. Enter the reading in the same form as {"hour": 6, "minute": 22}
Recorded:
{"hour": 3, "minute": 56}
